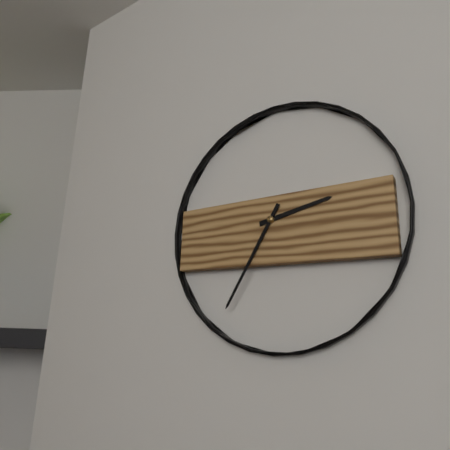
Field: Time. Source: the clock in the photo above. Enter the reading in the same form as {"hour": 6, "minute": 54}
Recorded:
{"hour": 2, "minute": 35}
